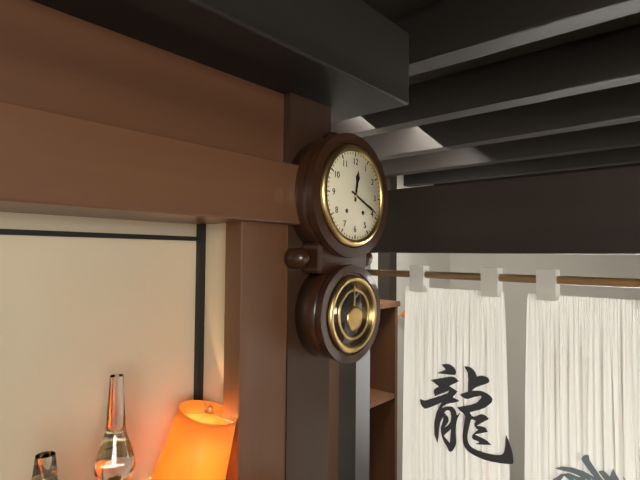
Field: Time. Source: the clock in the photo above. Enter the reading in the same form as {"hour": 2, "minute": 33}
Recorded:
{"hour": 12, "minute": 19}
